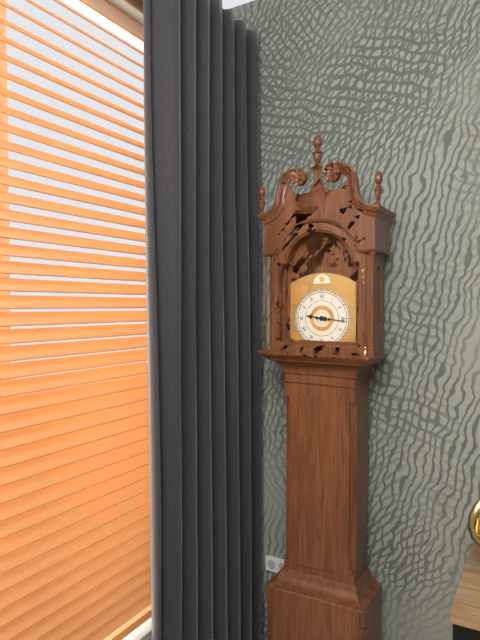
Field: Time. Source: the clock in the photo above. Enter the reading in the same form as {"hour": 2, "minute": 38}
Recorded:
{"hour": 9, "minute": 16}
